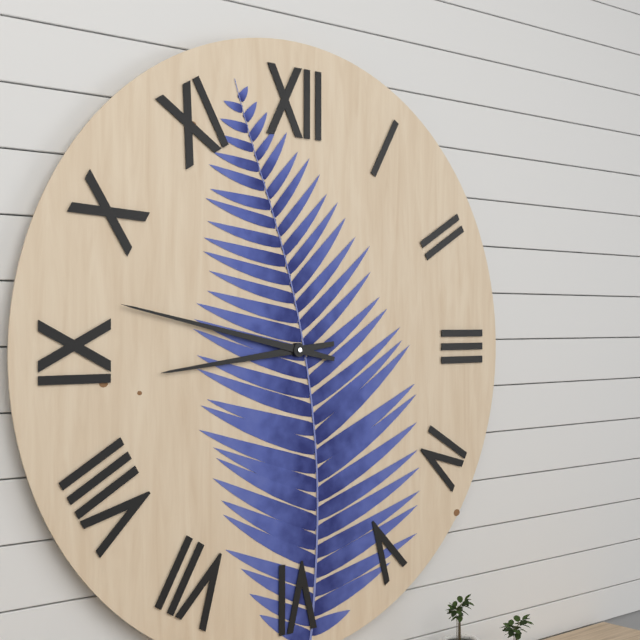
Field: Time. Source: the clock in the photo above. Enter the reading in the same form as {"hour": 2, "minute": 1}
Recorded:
{"hour": 8, "minute": 47}
